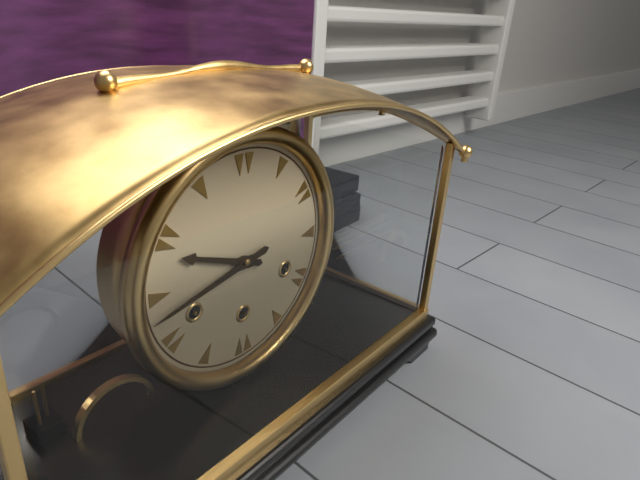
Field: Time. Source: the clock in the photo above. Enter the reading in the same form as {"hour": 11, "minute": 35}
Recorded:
{"hour": 9, "minute": 43}
